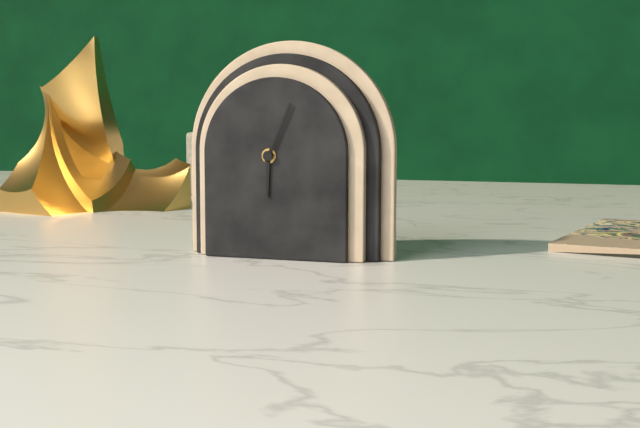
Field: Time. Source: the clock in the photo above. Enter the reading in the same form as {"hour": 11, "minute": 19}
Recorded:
{"hour": 6, "minute": 4}
